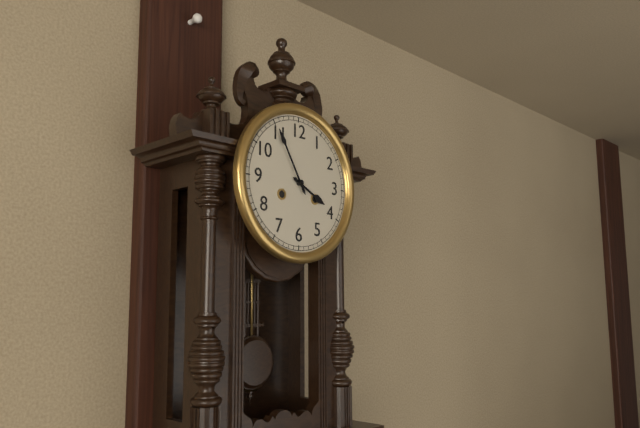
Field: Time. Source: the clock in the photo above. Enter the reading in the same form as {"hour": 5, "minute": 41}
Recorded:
{"hour": 3, "minute": 55}
